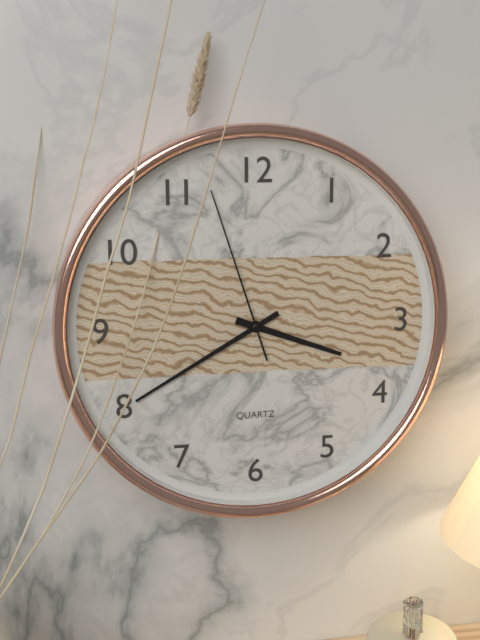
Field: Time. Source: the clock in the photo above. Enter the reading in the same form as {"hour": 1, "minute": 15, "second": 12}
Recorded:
{"hour": 3, "minute": 40, "second": 57}
